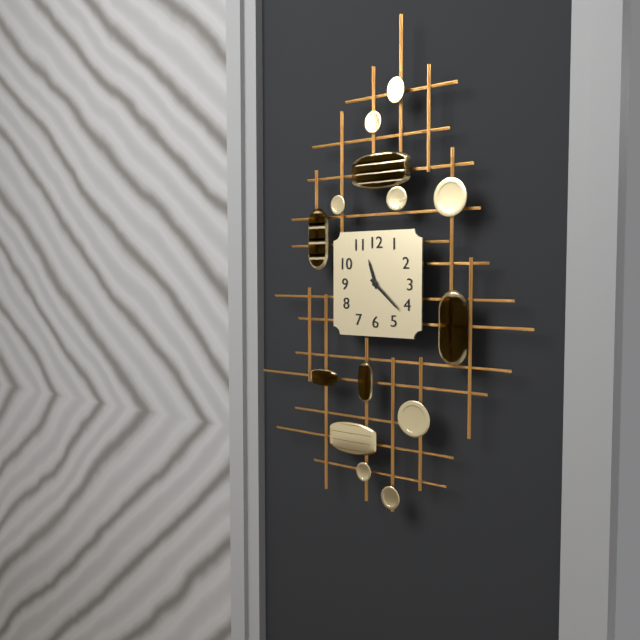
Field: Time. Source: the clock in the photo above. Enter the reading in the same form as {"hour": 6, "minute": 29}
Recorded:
{"hour": 11, "minute": 22}
